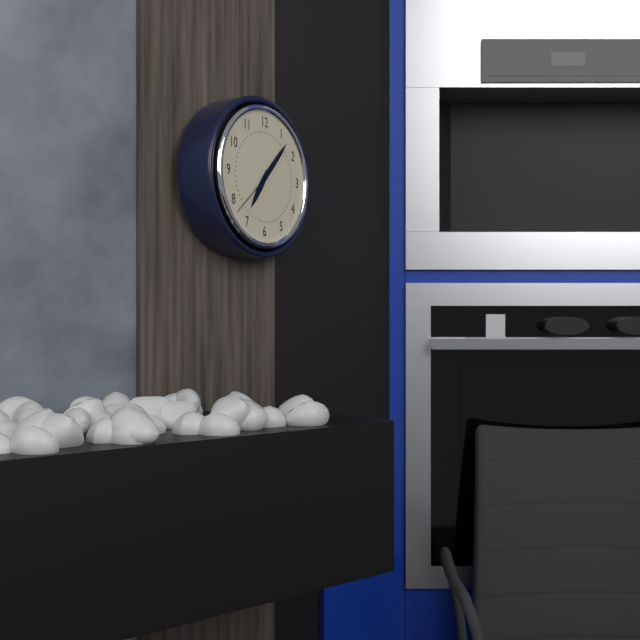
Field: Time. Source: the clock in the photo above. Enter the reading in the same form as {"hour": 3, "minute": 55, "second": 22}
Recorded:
{"hour": 7, "minute": 7, "second": 38}
